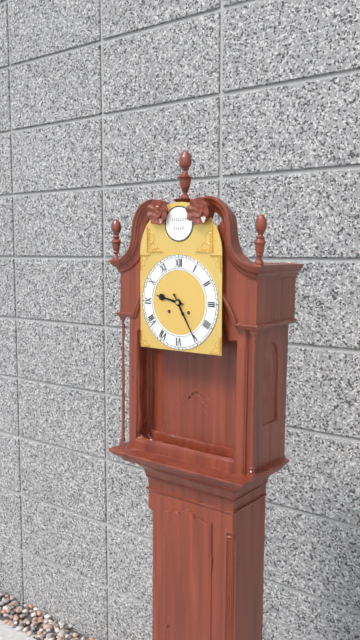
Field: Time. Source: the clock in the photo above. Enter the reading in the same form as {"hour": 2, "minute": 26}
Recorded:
{"hour": 9, "minute": 25}
